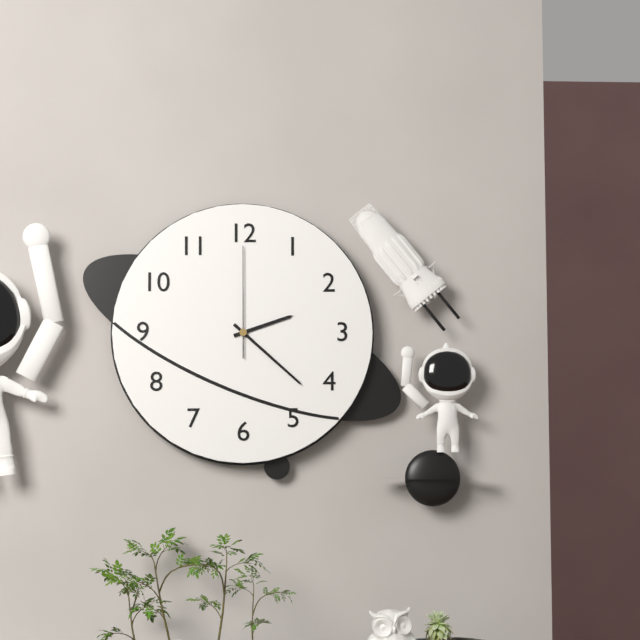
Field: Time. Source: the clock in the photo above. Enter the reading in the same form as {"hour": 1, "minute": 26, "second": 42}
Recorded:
{"hour": 2, "minute": 22, "second": 0}
